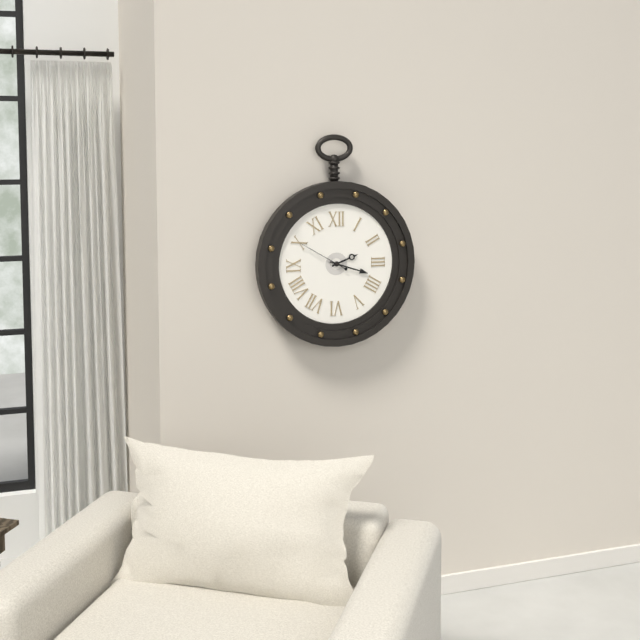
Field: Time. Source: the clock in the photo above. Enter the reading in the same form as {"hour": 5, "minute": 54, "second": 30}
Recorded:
{"hour": 2, "minute": 18, "second": 50}
